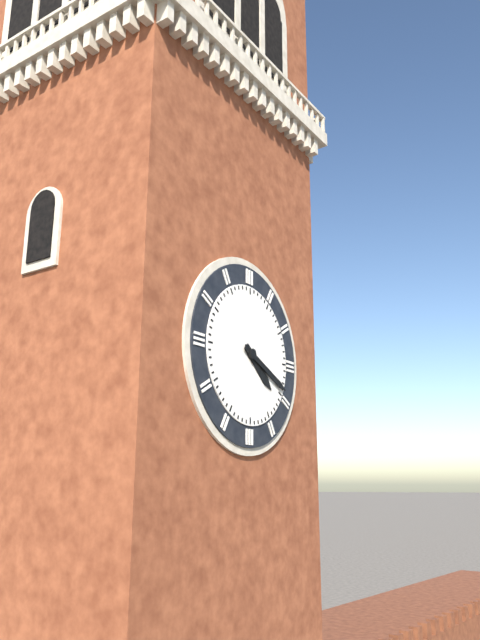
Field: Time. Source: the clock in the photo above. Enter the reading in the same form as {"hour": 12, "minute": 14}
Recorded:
{"hour": 4, "minute": 19}
